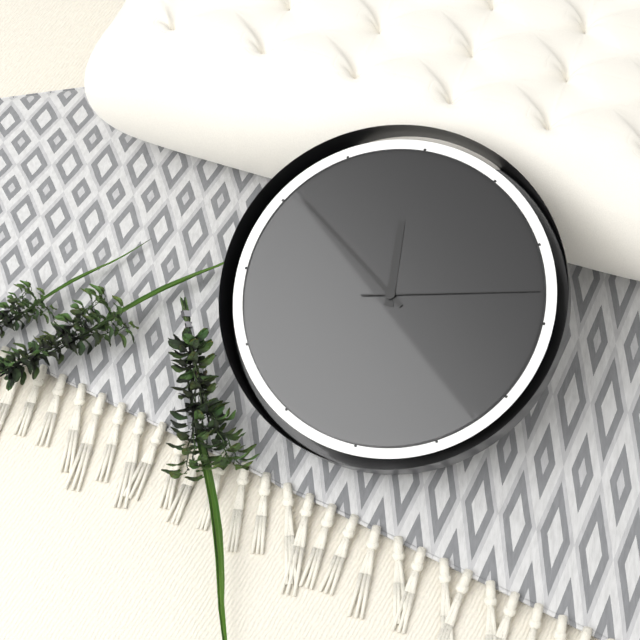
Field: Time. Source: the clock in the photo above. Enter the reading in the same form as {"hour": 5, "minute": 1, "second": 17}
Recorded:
{"hour": 11, "minute": 51, "second": 13}
